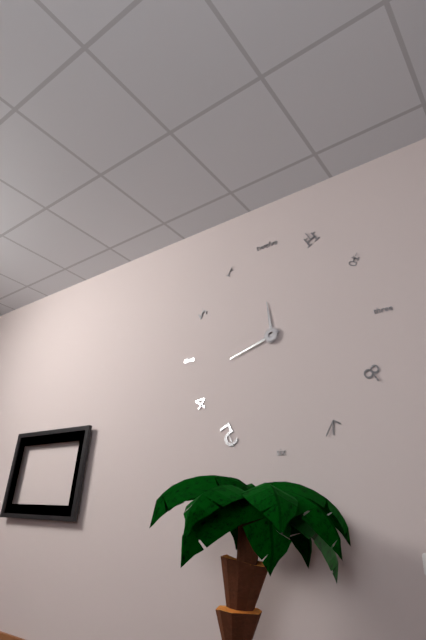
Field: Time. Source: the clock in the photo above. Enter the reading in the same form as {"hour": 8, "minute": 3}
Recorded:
{"hour": 11, "minute": 42}
